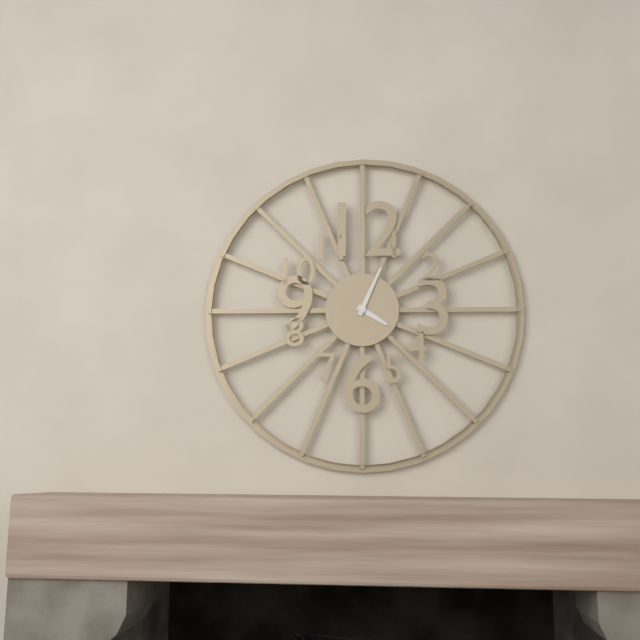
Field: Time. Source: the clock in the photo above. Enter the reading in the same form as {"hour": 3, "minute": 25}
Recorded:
{"hour": 4, "minute": 4}
